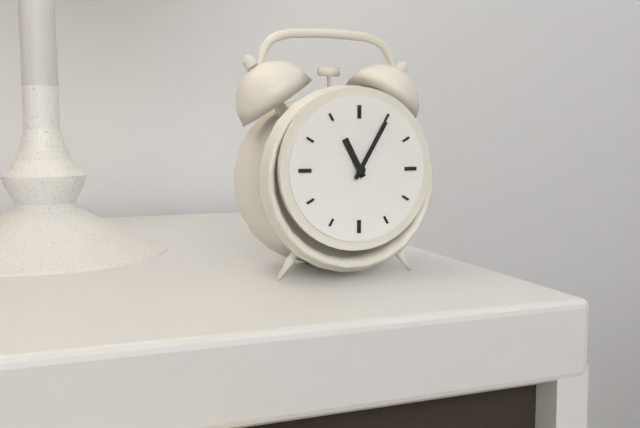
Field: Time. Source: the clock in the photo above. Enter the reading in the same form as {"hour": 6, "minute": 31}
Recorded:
{"hour": 11, "minute": 5}
